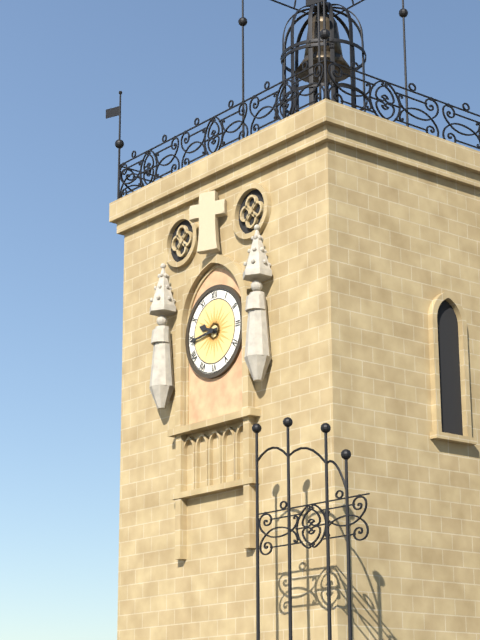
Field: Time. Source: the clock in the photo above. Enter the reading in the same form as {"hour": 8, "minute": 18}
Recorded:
{"hour": 9, "minute": 44}
